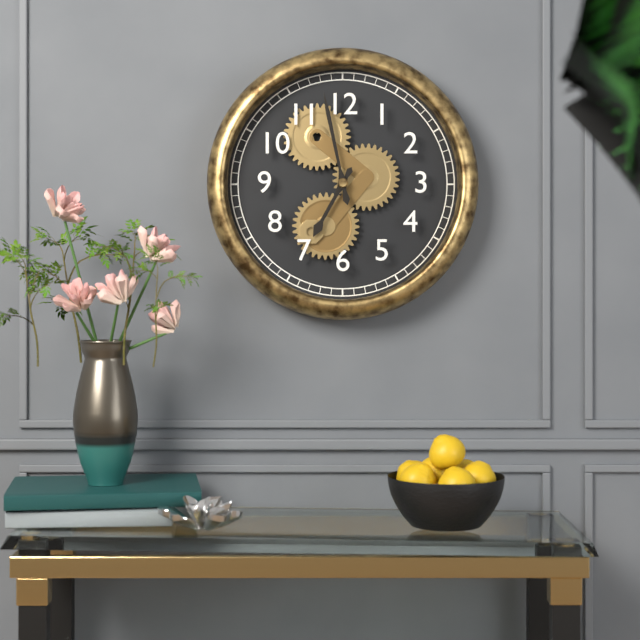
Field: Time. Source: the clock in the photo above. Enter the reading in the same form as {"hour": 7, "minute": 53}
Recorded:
{"hour": 6, "minute": 58}
